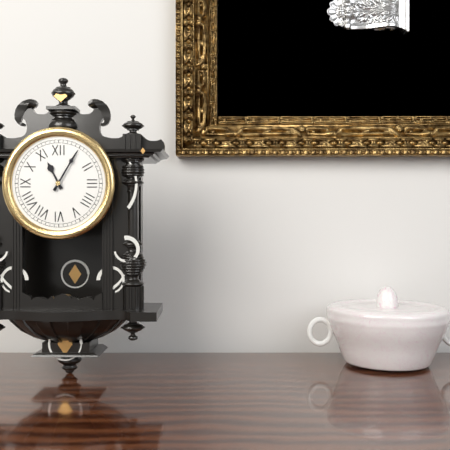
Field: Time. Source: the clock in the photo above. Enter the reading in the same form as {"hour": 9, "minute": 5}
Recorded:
{"hour": 11, "minute": 5}
